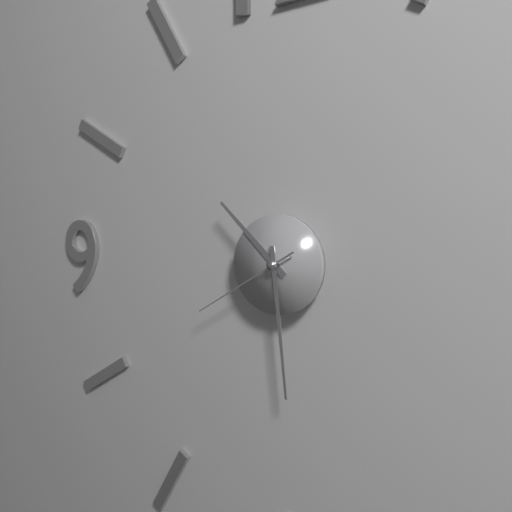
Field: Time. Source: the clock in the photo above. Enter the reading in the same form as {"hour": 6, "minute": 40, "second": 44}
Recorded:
{"hour": 10, "minute": 29, "second": 40}
